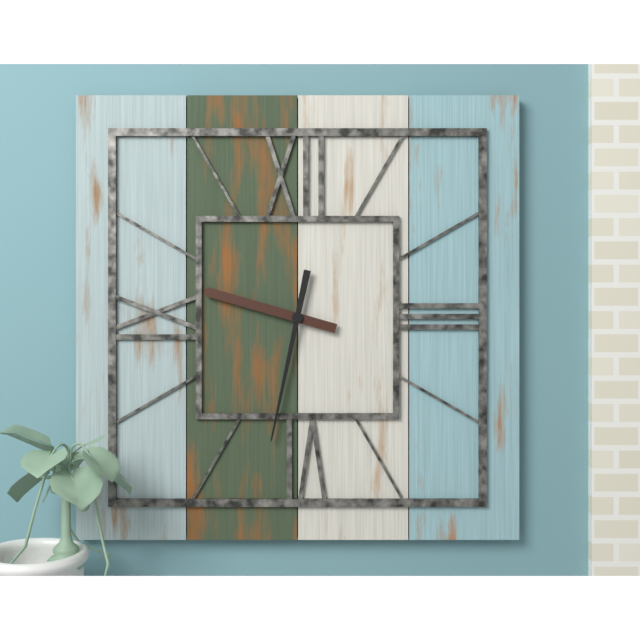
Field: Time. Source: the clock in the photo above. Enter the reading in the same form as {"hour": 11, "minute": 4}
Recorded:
{"hour": 9, "minute": 32}
